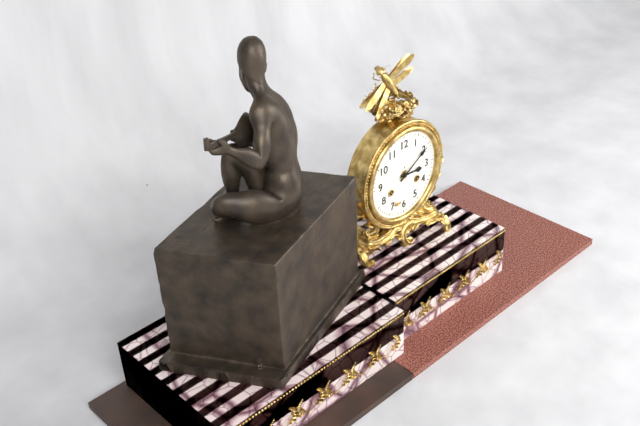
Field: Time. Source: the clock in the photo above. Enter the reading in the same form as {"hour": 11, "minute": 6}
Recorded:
{"hour": 3, "minute": 10}
